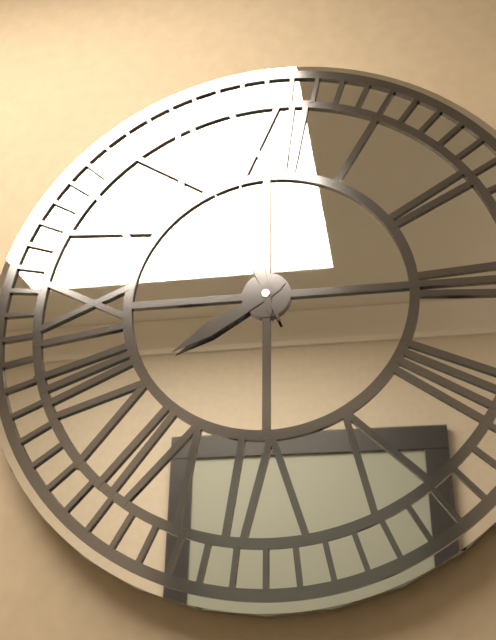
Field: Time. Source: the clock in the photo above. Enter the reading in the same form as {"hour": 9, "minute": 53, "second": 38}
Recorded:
{"hour": 7, "minute": 58, "second": 56}
